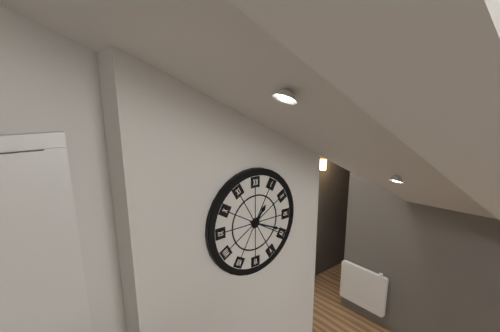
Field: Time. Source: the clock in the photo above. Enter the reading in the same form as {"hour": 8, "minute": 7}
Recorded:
{"hour": 1, "minute": 19}
